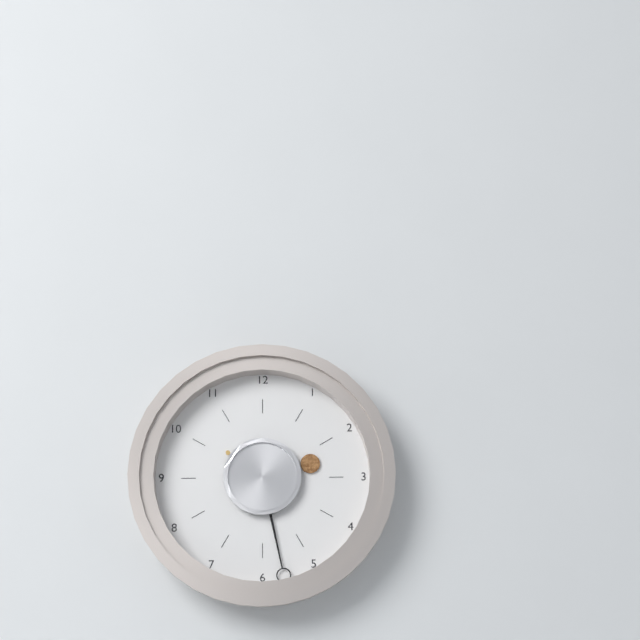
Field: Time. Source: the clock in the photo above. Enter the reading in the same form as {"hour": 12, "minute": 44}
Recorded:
{"hour": 2, "minute": 28}
